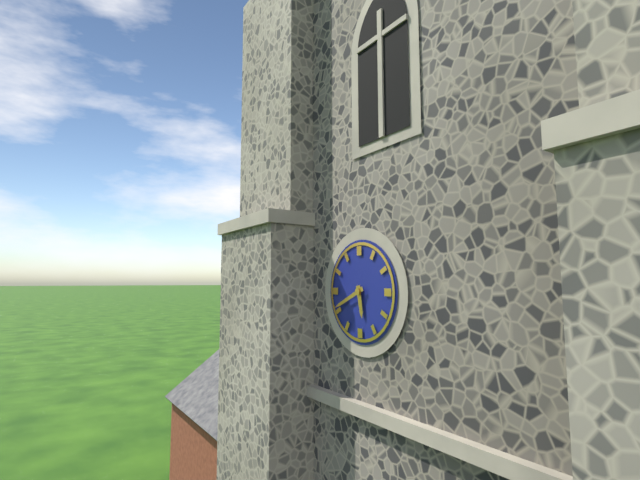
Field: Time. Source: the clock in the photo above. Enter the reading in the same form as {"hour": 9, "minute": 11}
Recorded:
{"hour": 5, "minute": 41}
